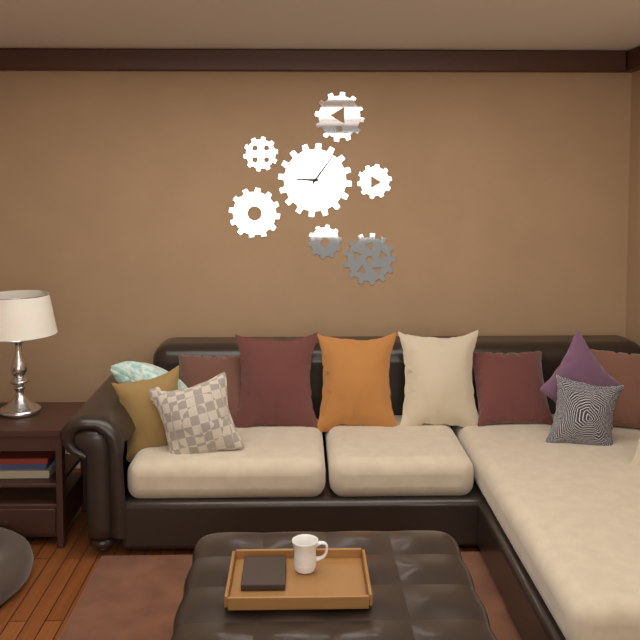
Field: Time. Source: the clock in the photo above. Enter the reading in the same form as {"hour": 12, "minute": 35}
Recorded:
{"hour": 9, "minute": 6}
